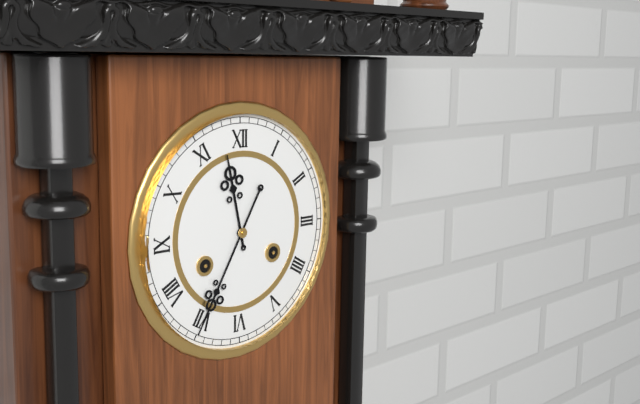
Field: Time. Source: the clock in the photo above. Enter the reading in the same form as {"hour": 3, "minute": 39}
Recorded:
{"hour": 11, "minute": 35}
